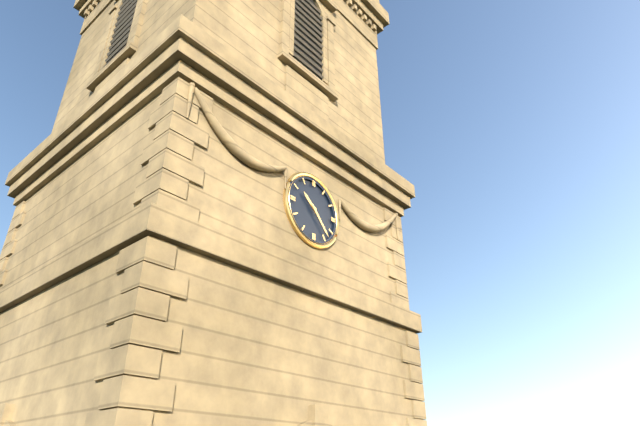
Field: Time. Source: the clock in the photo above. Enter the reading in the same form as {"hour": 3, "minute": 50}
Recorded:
{"hour": 10, "minute": 23}
